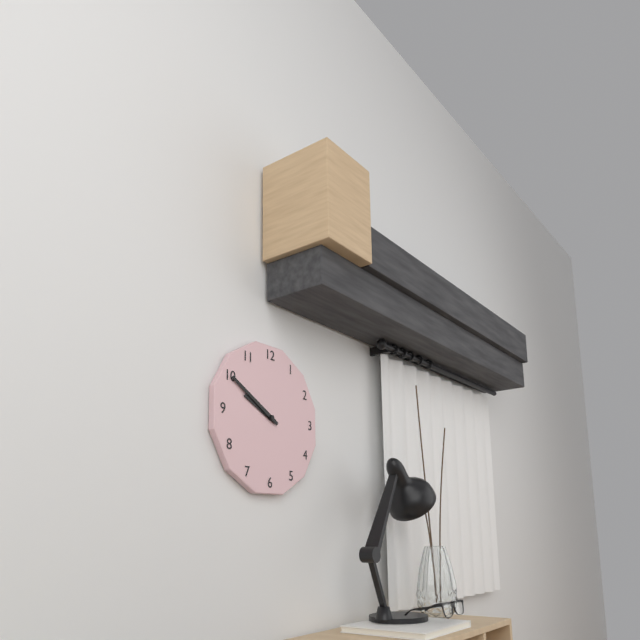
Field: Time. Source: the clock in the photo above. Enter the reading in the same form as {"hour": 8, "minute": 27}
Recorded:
{"hour": 9, "minute": 50}
